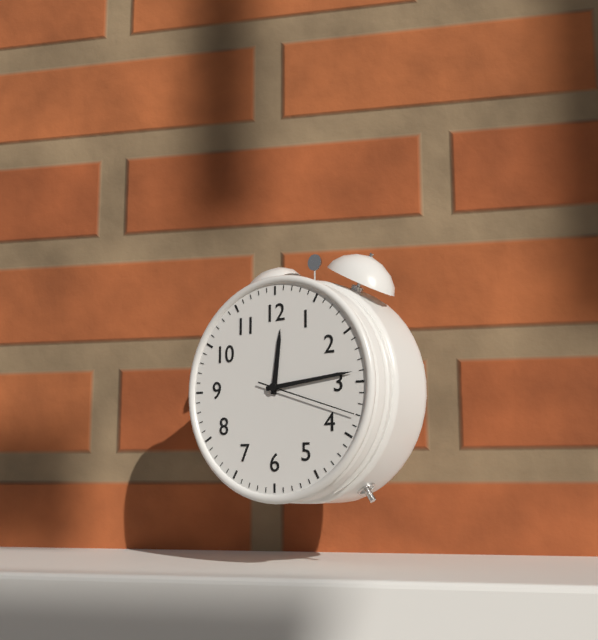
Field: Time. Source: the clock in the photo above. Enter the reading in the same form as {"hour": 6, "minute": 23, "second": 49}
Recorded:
{"hour": 12, "minute": 14, "second": 18}
